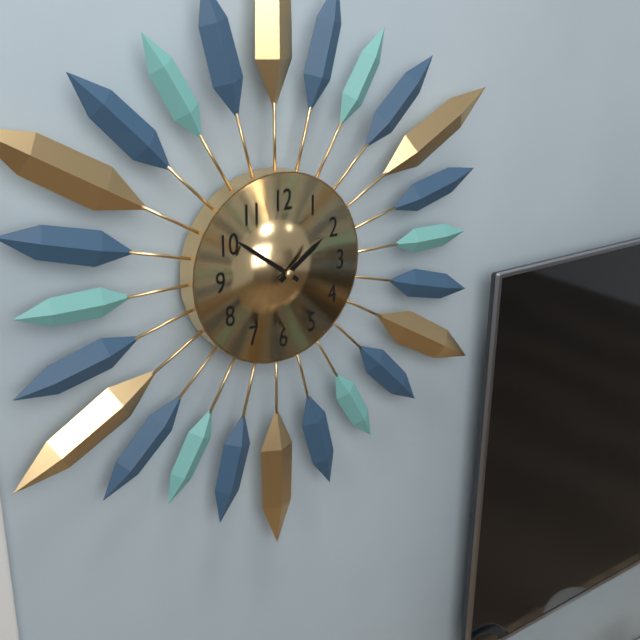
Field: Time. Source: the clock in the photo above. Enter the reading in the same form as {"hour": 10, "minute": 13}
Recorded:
{"hour": 1, "minute": 51}
